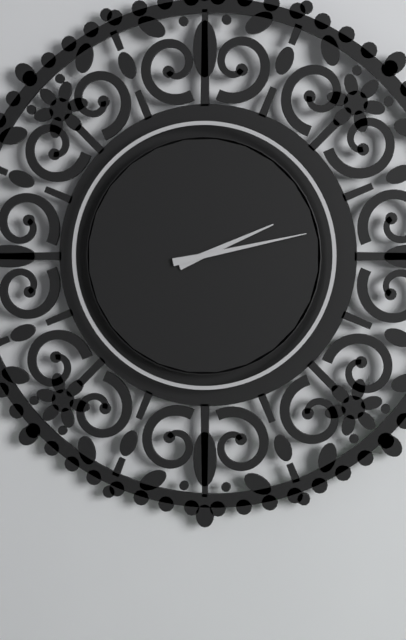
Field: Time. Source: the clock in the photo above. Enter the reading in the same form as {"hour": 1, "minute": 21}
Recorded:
{"hour": 2, "minute": 13}
